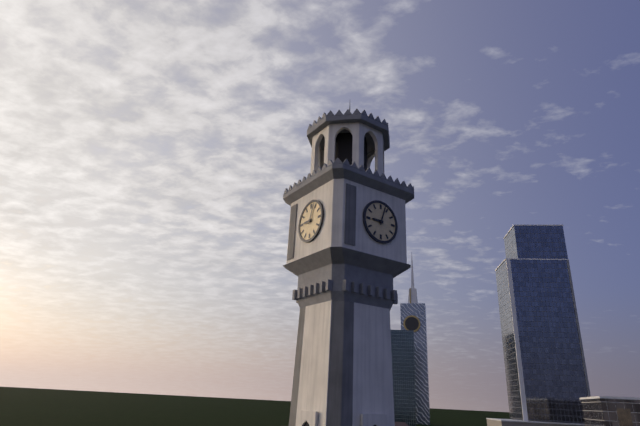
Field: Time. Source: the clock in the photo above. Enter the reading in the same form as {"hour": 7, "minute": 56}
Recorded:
{"hour": 9, "minute": 3}
